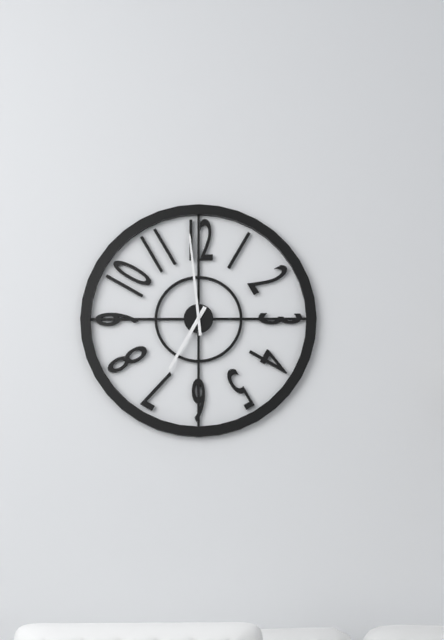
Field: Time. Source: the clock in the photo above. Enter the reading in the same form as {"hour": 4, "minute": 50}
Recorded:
{"hour": 6, "minute": 59}
